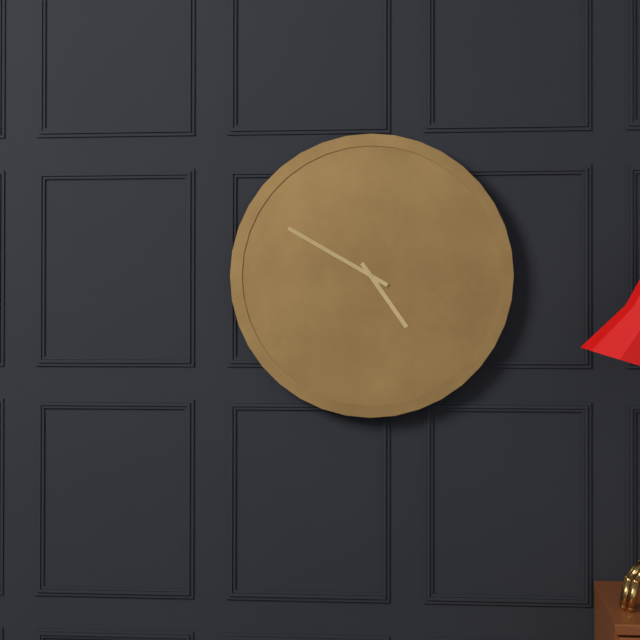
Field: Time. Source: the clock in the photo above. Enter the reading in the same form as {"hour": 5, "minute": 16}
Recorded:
{"hour": 4, "minute": 50}
